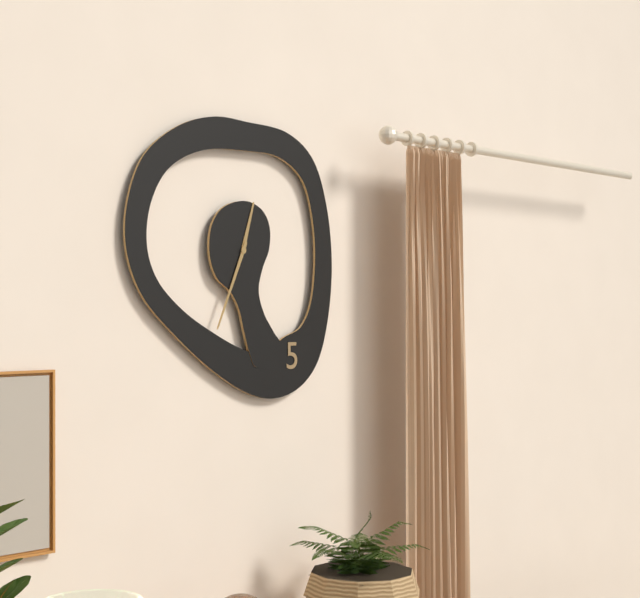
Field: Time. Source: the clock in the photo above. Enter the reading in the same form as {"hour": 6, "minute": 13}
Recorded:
{"hour": 12, "minute": 34}
